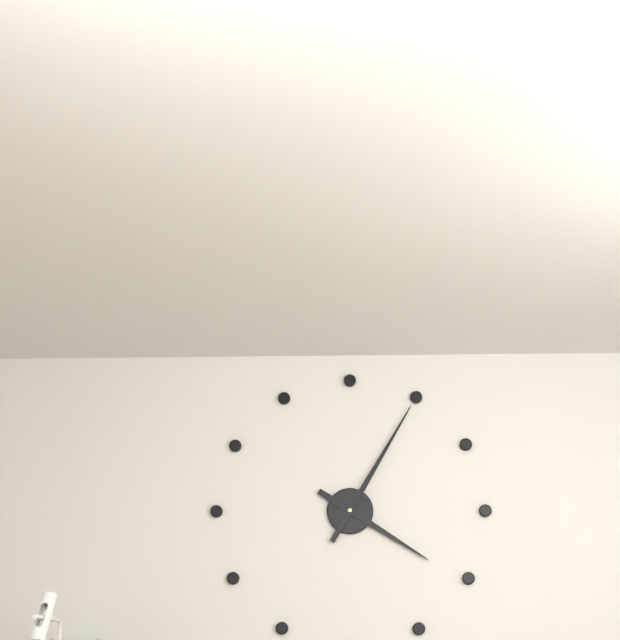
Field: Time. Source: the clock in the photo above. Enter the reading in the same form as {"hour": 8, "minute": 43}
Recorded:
{"hour": 4, "minute": 5}
